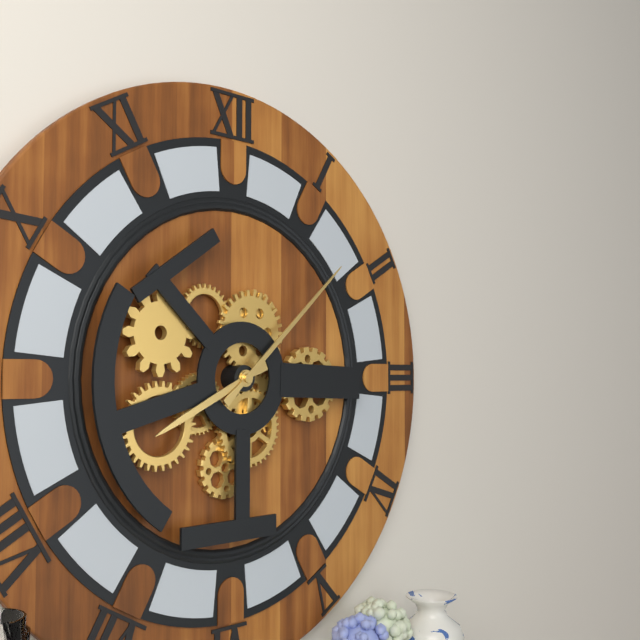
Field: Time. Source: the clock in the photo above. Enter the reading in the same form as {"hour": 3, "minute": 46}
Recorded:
{"hour": 8, "minute": 8}
